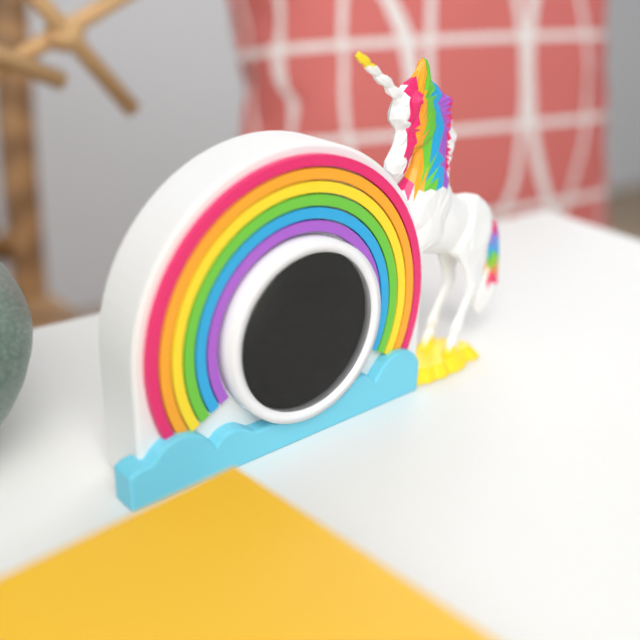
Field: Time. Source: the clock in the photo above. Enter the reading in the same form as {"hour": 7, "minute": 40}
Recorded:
{"hour": 3, "minute": 42}
